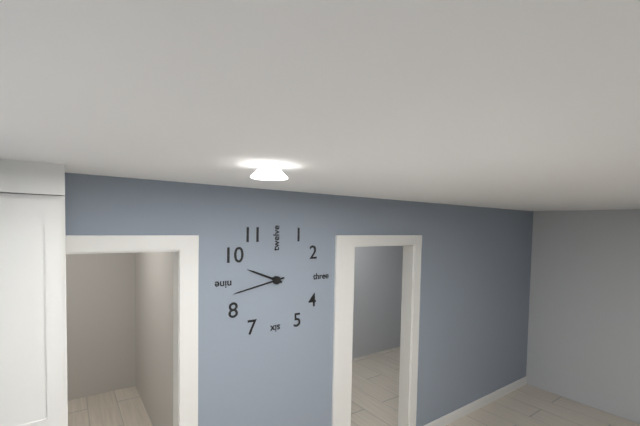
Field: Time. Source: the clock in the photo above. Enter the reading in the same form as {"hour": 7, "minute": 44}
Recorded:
{"hour": 9, "minute": 43}
